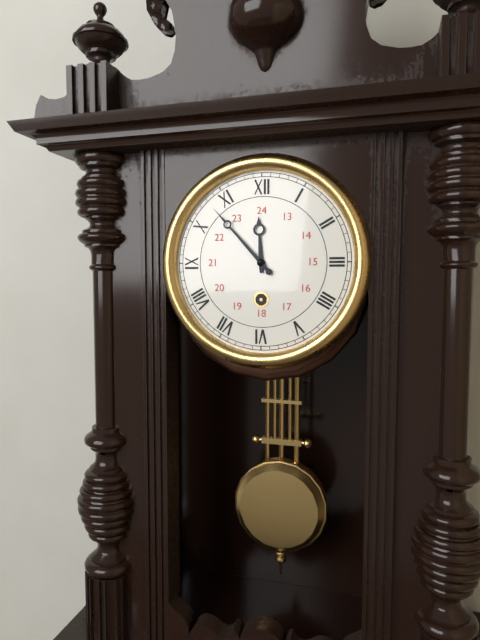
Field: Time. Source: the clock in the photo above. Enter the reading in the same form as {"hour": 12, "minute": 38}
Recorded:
{"hour": 11, "minute": 53}
